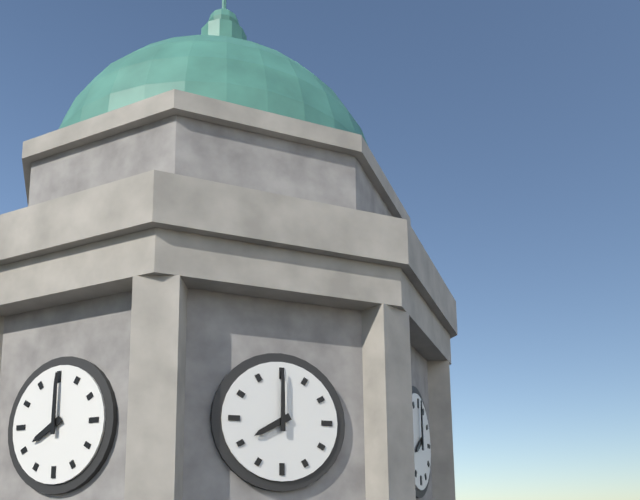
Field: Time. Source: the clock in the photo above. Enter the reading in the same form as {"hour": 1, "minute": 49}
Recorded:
{"hour": 8, "minute": 0}
